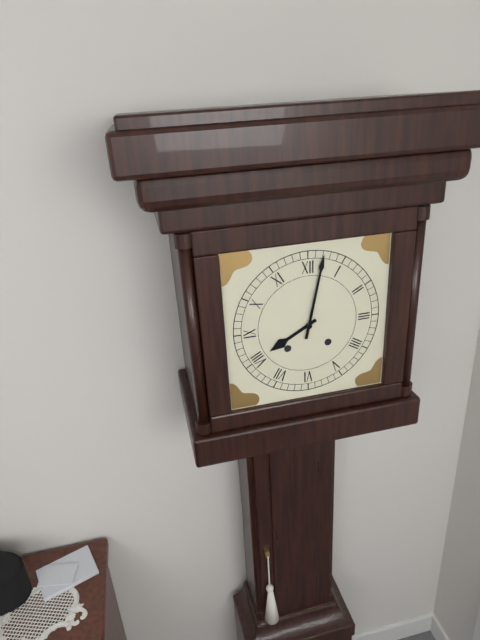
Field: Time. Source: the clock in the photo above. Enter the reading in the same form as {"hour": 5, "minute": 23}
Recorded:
{"hour": 8, "minute": 2}
